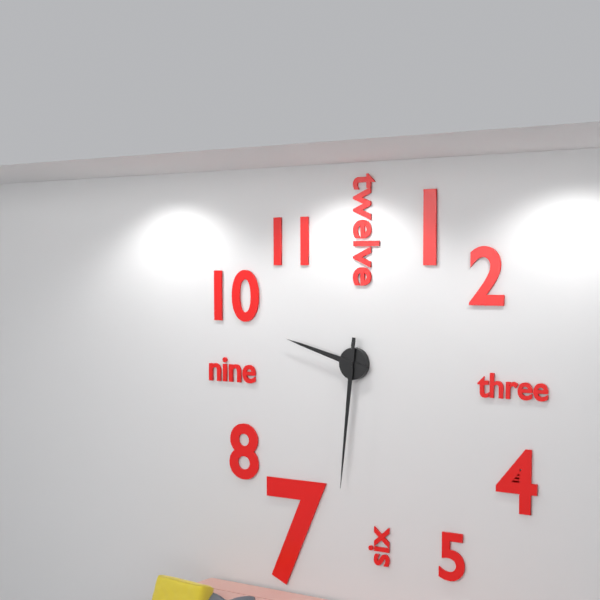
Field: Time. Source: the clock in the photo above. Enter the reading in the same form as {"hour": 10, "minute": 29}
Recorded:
{"hour": 9, "minute": 31}
